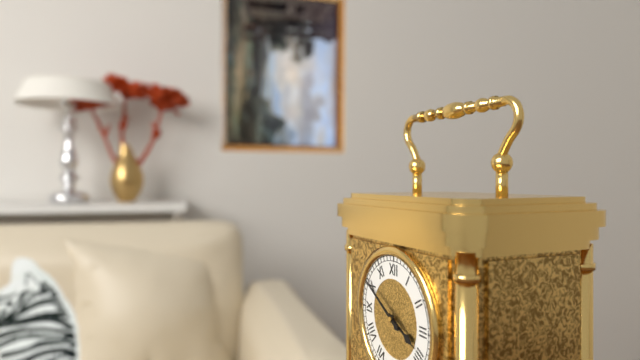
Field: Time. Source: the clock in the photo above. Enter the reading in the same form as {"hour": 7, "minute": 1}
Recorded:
{"hour": 3, "minute": 50}
